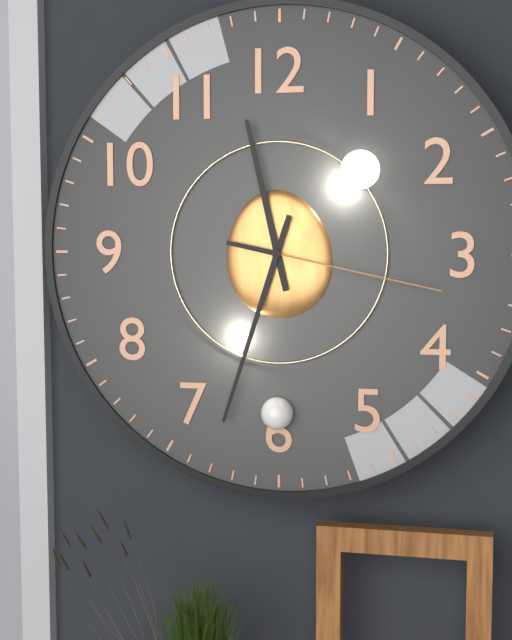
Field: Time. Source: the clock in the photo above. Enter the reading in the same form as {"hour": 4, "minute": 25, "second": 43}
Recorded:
{"hour": 11, "minute": 33, "second": 17}
